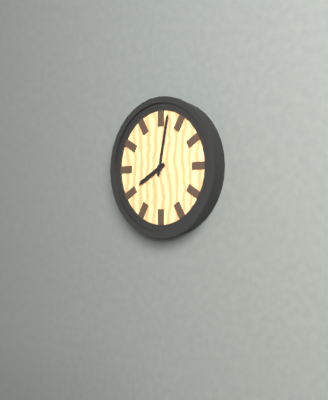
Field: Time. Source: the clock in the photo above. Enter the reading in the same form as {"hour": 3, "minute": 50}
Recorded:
{"hour": 8, "minute": 2}
